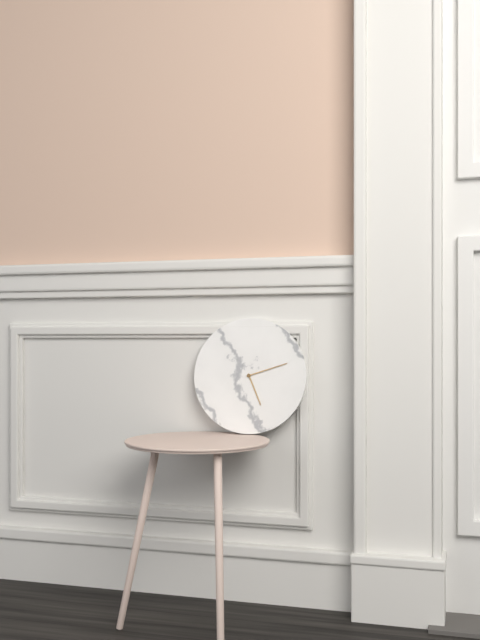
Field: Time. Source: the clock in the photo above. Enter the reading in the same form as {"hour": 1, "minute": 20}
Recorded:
{"hour": 5, "minute": 12}
